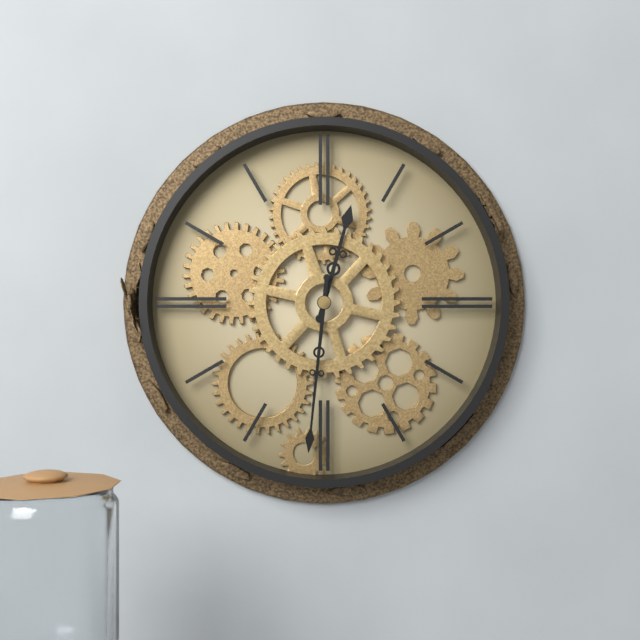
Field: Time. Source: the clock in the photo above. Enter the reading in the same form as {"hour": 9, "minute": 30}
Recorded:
{"hour": 12, "minute": 31}
